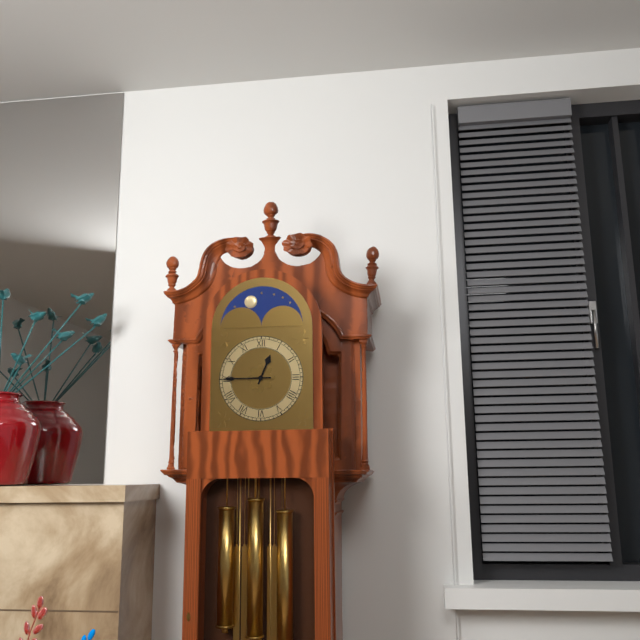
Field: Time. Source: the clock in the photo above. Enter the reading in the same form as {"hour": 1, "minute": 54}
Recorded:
{"hour": 12, "minute": 45}
